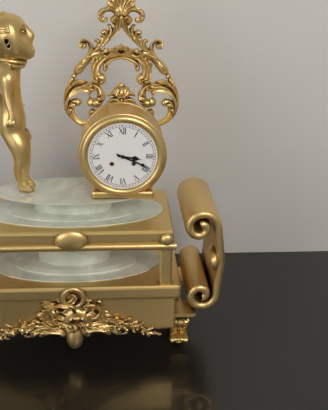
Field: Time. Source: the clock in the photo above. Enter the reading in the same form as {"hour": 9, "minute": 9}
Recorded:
{"hour": 3, "minute": 19}
